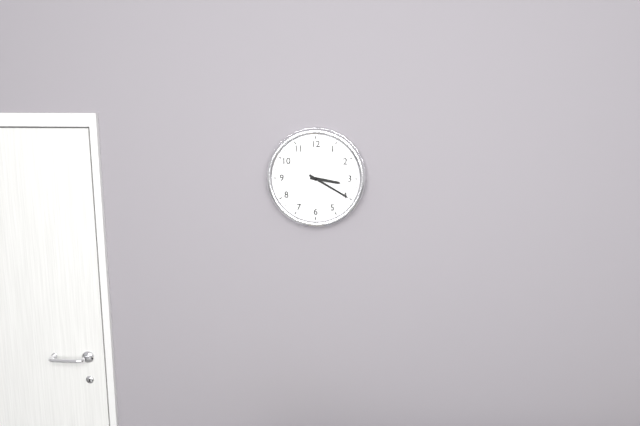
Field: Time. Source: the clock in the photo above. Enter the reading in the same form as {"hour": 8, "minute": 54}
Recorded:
{"hour": 3, "minute": 20}
